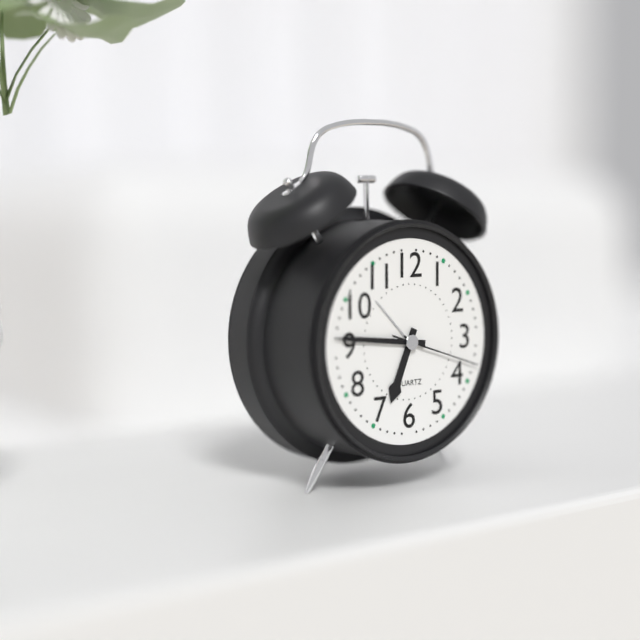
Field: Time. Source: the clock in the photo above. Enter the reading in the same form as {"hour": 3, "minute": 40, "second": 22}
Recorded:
{"hour": 6, "minute": 46, "second": 18}
